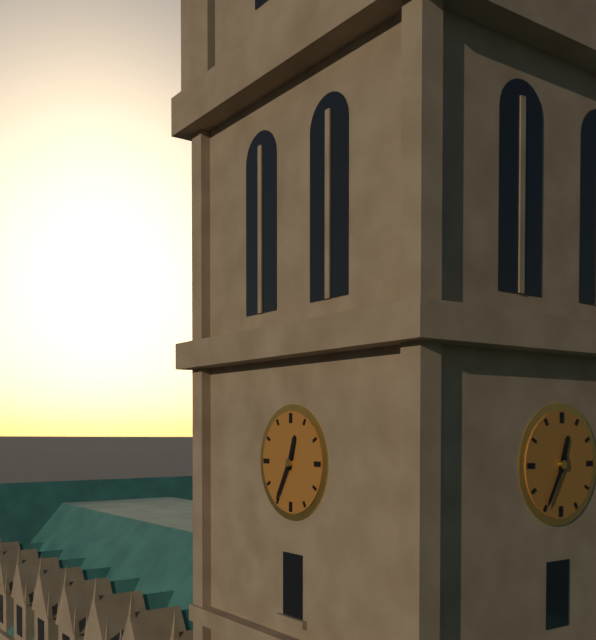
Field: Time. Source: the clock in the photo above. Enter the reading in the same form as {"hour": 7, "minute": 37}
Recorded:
{"hour": 12, "minute": 35}
